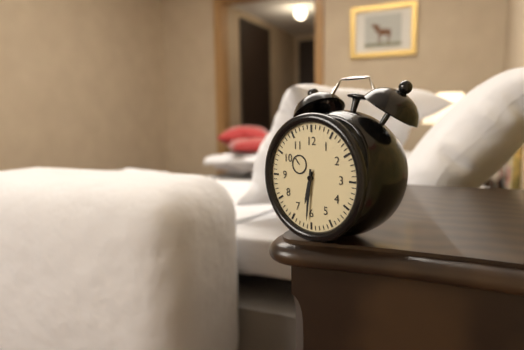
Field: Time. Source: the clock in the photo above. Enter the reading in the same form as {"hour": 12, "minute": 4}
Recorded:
{"hour": 6, "minute": 31}
